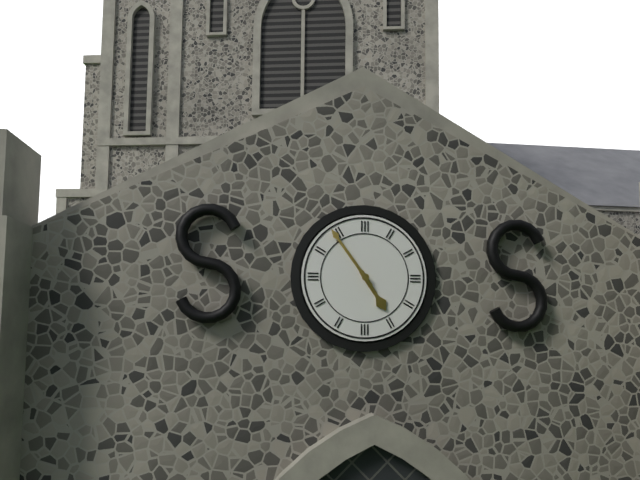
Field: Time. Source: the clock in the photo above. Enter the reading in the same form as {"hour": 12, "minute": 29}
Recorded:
{"hour": 4, "minute": 54}
